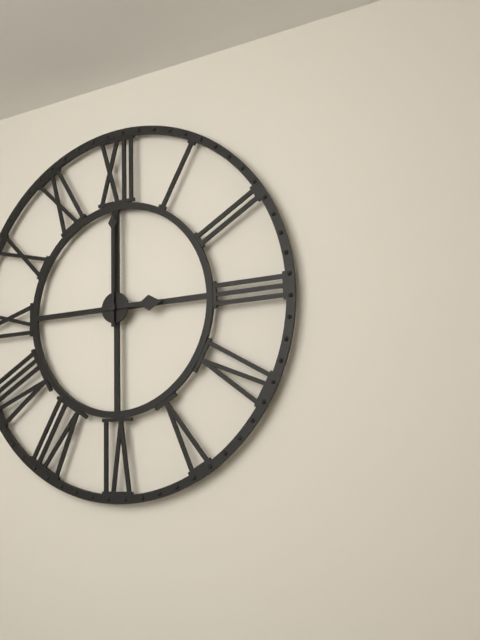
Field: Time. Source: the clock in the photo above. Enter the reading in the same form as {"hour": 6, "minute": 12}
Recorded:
{"hour": 3, "minute": 0}
